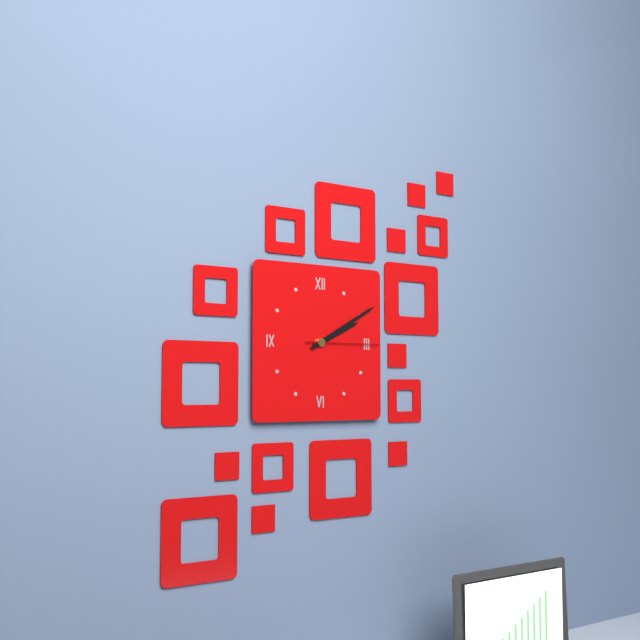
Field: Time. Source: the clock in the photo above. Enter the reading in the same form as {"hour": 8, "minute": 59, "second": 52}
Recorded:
{"hour": 2, "minute": 10, "second": 15}
